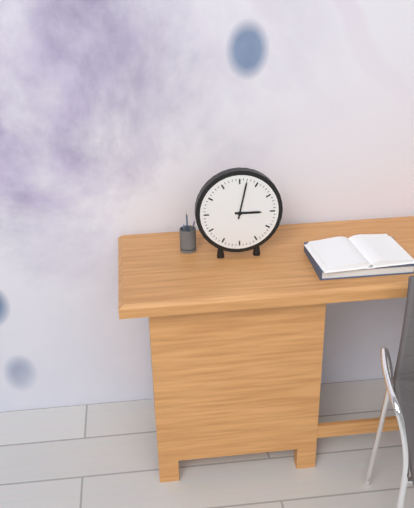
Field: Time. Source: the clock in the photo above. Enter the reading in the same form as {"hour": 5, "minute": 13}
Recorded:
{"hour": 3, "minute": 2}
